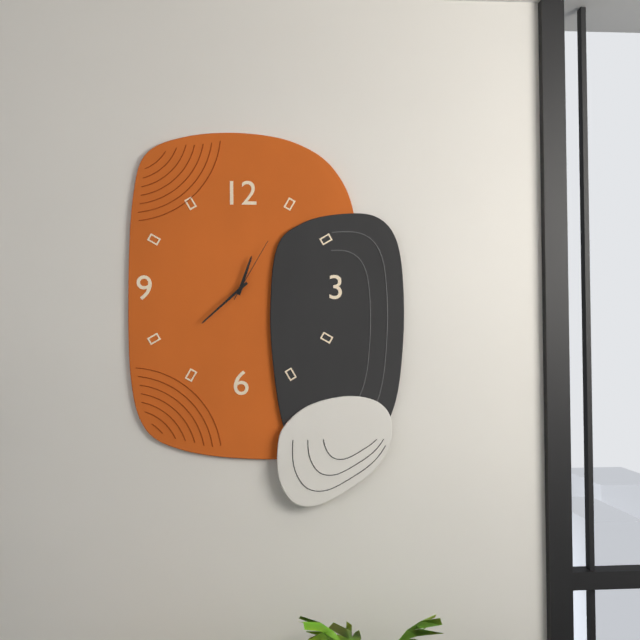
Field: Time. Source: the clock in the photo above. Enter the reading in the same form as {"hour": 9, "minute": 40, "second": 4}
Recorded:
{"hour": 12, "minute": 38, "second": 5}
